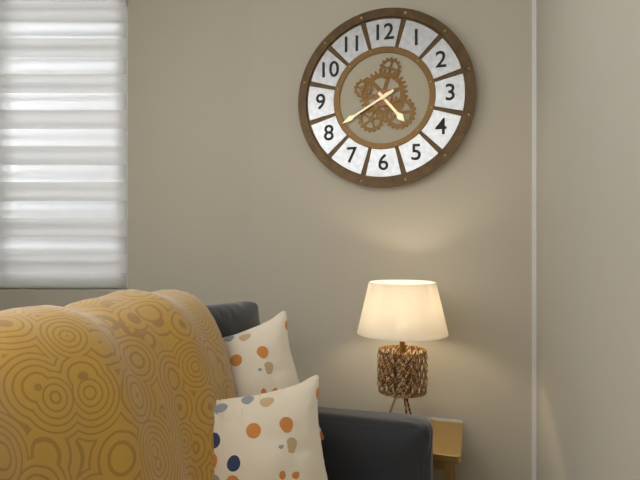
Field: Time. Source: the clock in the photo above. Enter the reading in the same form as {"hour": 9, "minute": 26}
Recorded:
{"hour": 4, "minute": 40}
